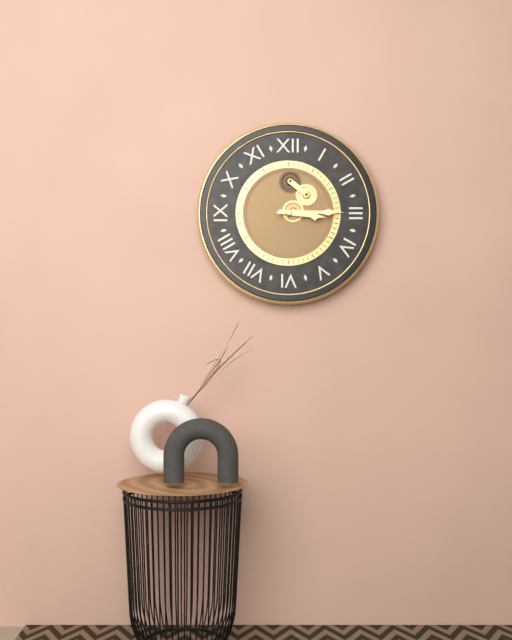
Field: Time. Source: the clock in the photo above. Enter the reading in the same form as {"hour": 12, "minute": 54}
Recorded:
{"hour": 3, "minute": 15}
